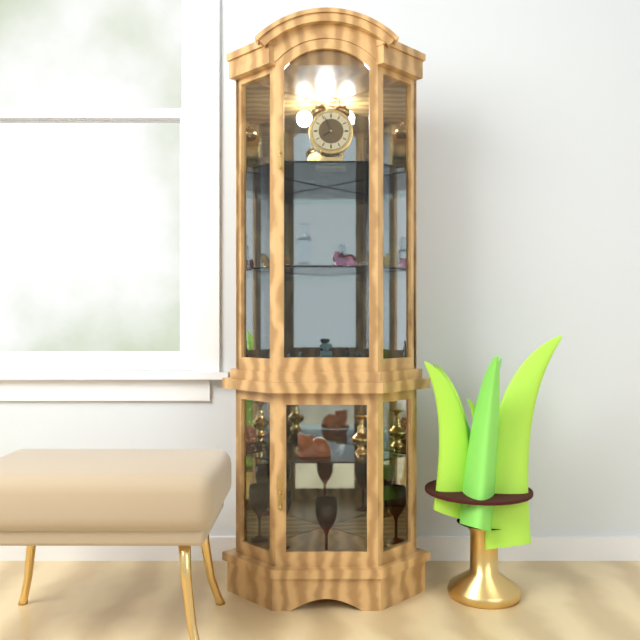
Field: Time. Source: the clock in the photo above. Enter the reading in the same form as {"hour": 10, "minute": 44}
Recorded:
{"hour": 7, "minute": 56}
